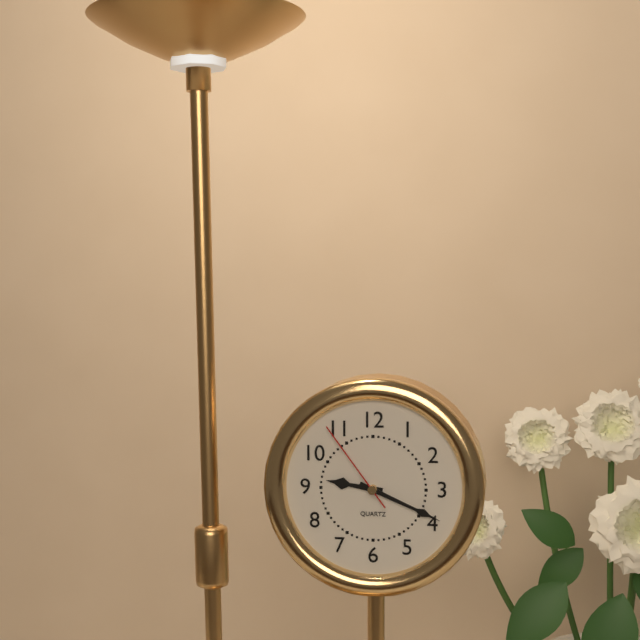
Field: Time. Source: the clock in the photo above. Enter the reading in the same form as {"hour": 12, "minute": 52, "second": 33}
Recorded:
{"hour": 9, "minute": 19, "second": 54}
